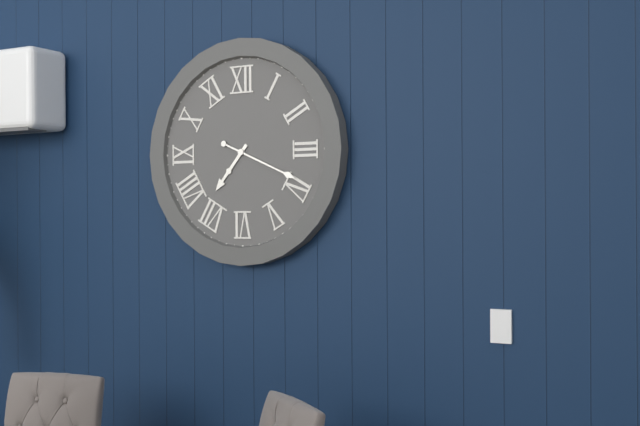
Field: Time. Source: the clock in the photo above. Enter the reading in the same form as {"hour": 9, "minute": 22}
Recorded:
{"hour": 7, "minute": 19}
